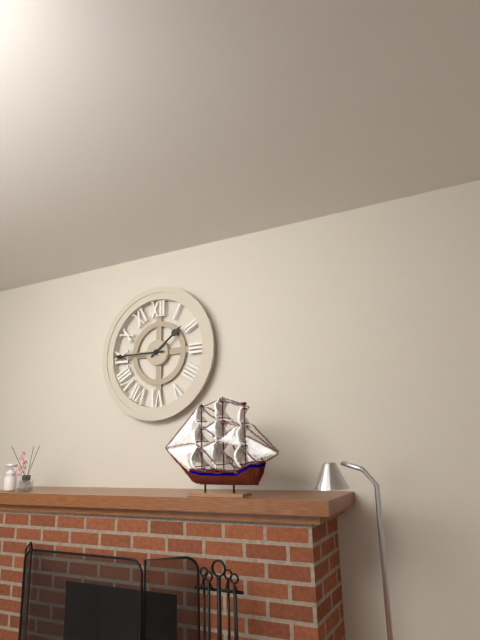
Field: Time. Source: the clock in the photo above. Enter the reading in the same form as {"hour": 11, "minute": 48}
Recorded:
{"hour": 1, "minute": 45}
